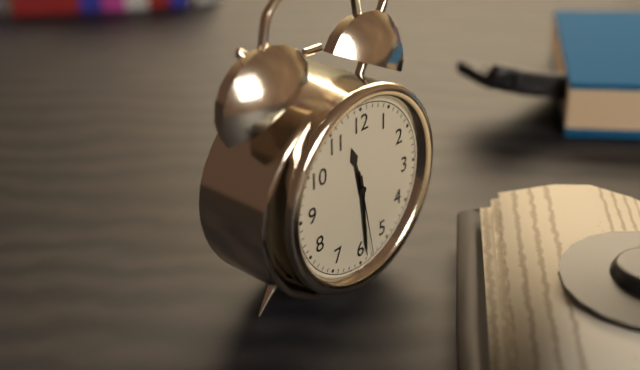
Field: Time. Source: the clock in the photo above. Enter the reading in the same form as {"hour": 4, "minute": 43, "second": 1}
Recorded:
{"hour": 11, "minute": 29, "second": 28}
